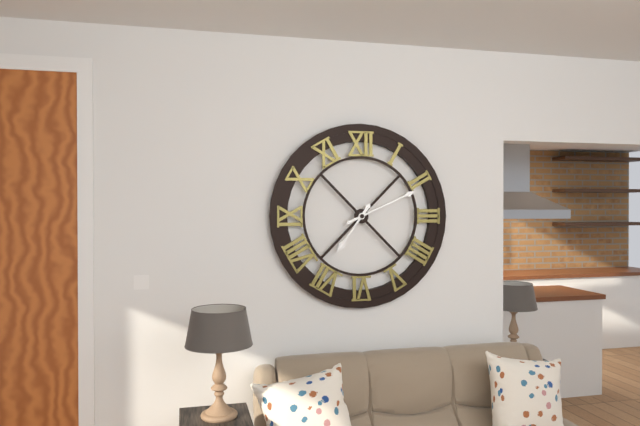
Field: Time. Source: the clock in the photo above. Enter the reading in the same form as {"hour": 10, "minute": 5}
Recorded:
{"hour": 7, "minute": 11}
